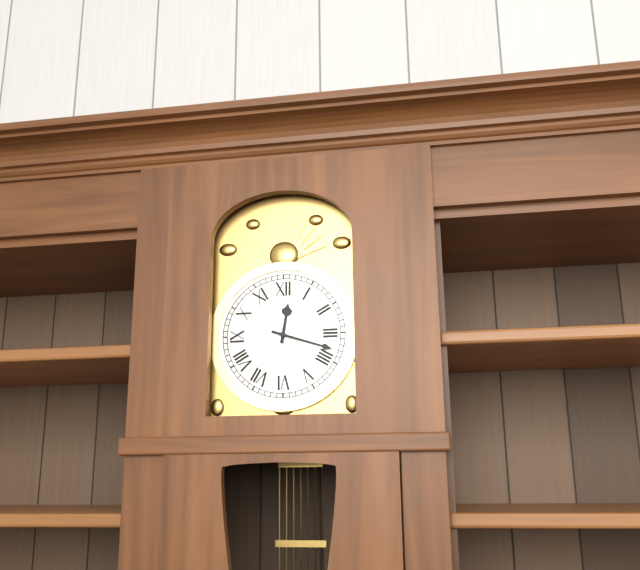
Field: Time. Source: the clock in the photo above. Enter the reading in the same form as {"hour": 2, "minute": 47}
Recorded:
{"hour": 12, "minute": 18}
